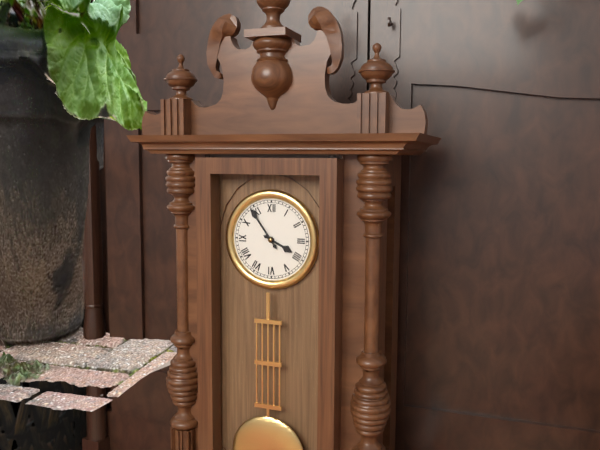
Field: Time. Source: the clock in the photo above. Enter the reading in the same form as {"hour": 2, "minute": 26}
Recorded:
{"hour": 3, "minute": 54}
